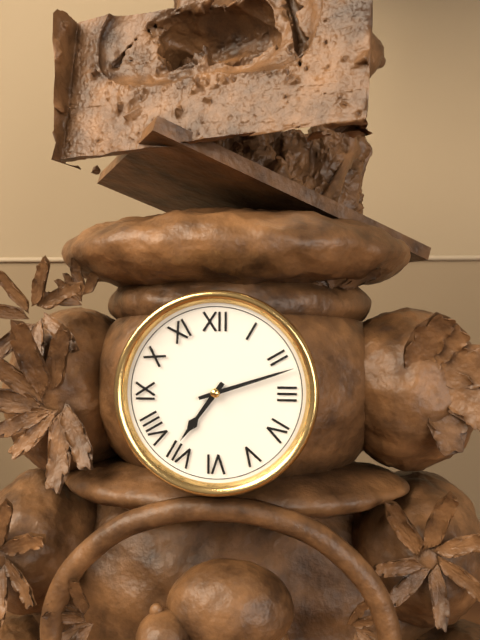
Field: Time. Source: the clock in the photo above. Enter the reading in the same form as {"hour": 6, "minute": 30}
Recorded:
{"hour": 7, "minute": 12}
